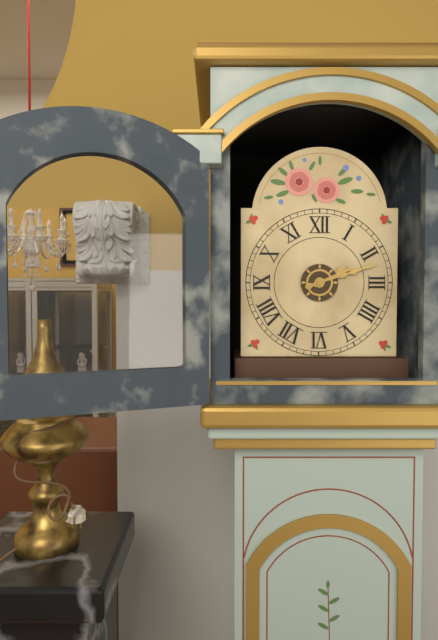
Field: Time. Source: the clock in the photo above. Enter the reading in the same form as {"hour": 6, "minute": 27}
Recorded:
{"hour": 2, "minute": 12}
